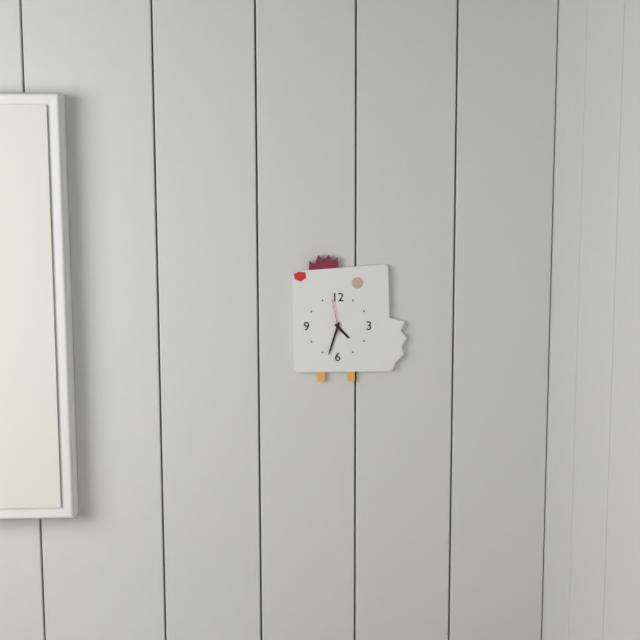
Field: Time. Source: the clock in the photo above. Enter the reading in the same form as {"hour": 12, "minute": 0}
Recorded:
{"hour": 4, "minute": 33}
